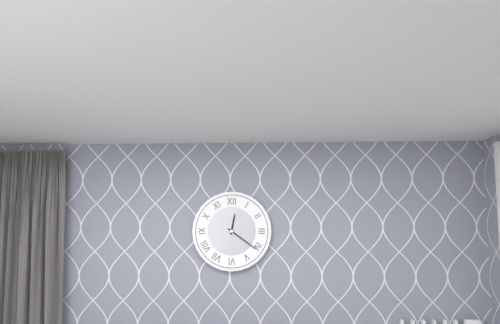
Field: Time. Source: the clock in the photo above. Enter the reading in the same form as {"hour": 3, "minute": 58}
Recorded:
{"hour": 12, "minute": 21}
